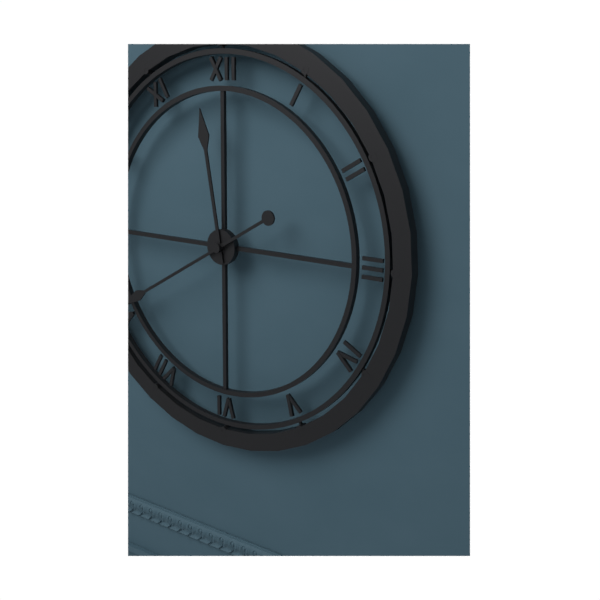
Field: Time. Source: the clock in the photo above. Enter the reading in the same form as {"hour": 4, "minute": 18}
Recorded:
{"hour": 11, "minute": 40}
